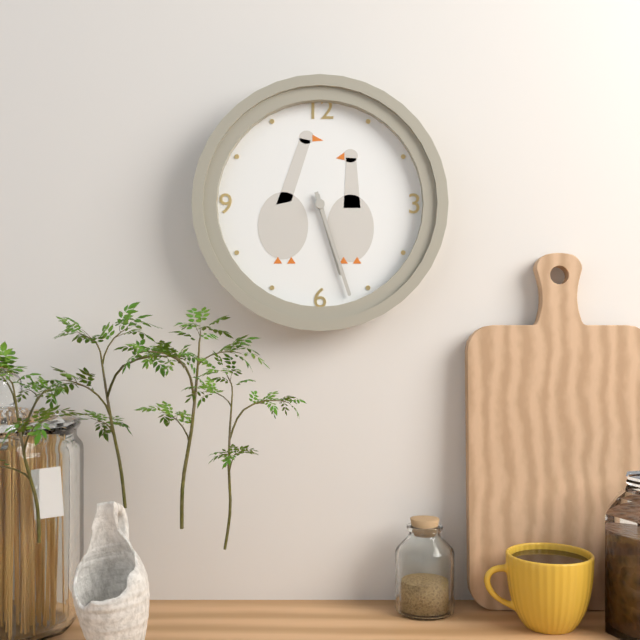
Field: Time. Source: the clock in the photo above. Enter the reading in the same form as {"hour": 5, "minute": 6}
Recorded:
{"hour": 5, "minute": 27}
